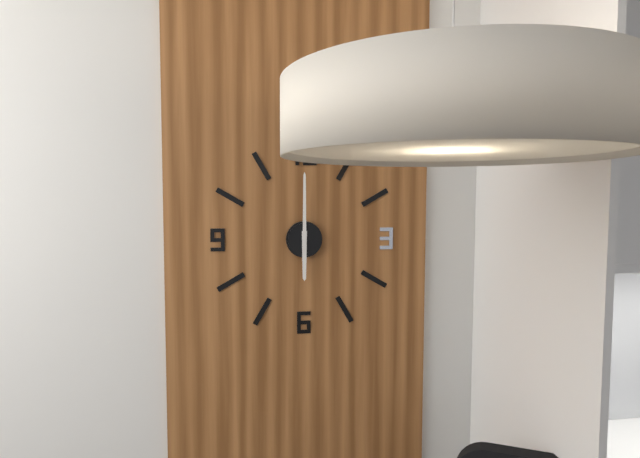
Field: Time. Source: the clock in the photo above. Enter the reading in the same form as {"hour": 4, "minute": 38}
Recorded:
{"hour": 6, "minute": 0}
